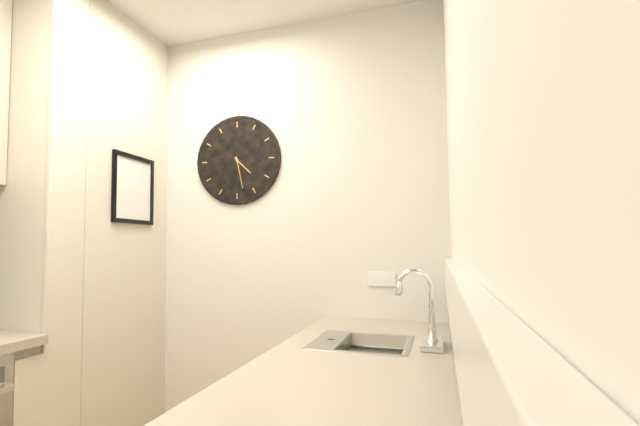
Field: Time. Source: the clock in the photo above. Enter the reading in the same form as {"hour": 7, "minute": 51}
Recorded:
{"hour": 4, "minute": 28}
